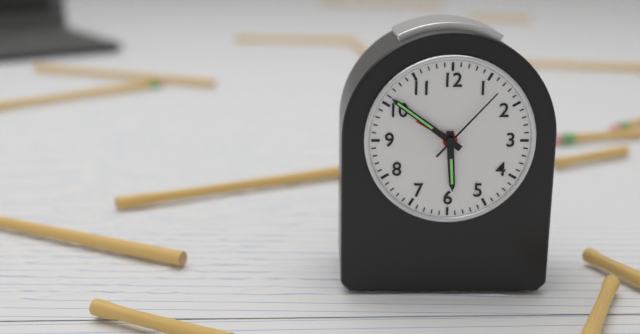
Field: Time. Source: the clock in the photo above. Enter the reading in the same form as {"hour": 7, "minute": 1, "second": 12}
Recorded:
{"hour": 5, "minute": 51, "second": 7}
